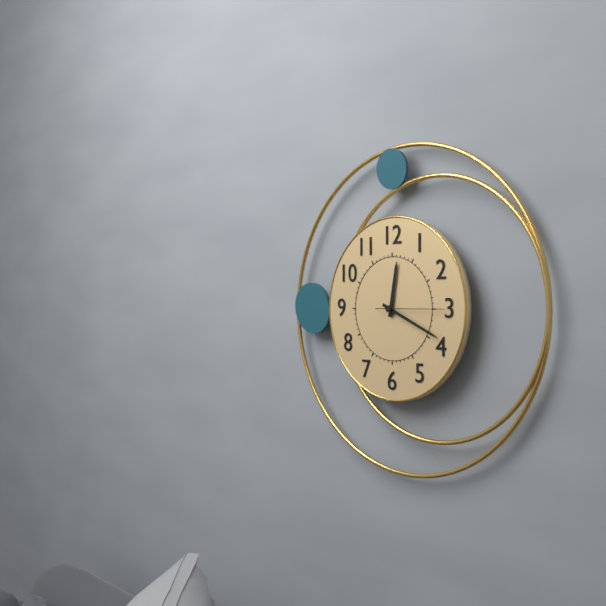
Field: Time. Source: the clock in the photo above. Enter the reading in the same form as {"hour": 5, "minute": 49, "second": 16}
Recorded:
{"hour": 12, "minute": 19, "second": 15}
